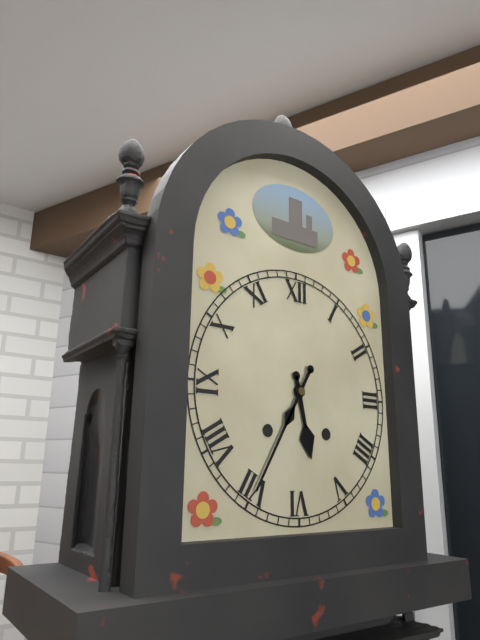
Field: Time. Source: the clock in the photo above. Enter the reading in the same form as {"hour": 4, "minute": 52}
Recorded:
{"hour": 5, "minute": 35}
